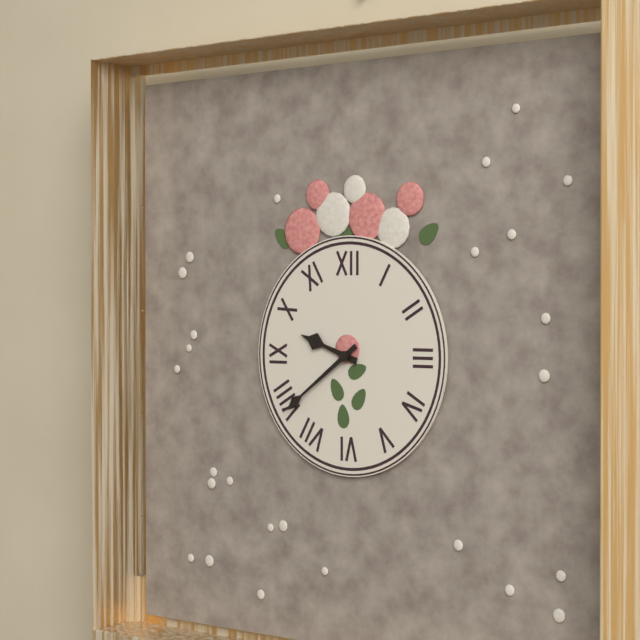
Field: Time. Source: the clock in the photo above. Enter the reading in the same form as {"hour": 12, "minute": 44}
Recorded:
{"hour": 9, "minute": 39}
